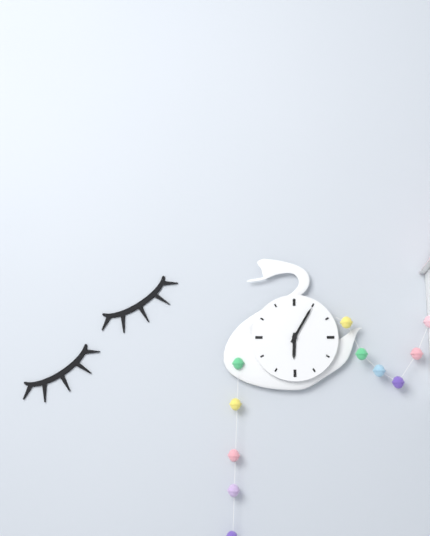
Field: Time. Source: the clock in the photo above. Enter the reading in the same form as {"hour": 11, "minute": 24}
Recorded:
{"hour": 6, "minute": 5}
